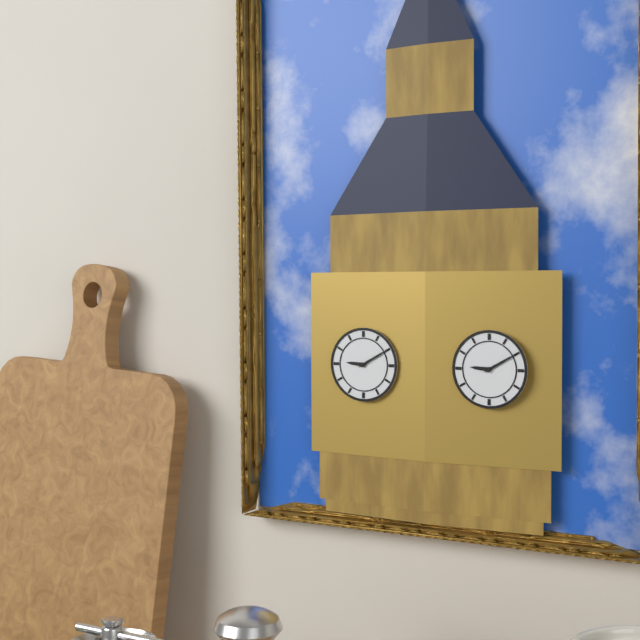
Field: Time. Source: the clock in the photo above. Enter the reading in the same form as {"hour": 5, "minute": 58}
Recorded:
{"hour": 9, "minute": 10}
